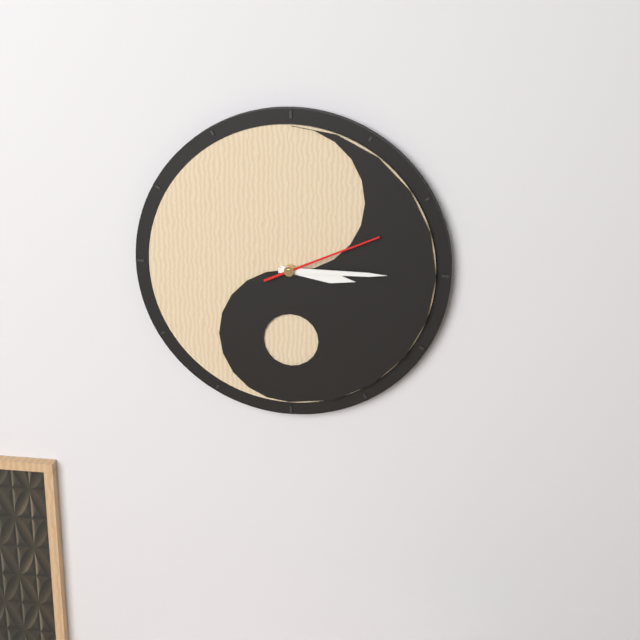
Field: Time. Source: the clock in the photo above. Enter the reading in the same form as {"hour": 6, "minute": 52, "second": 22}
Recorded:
{"hour": 3, "minute": 15, "second": 11}
